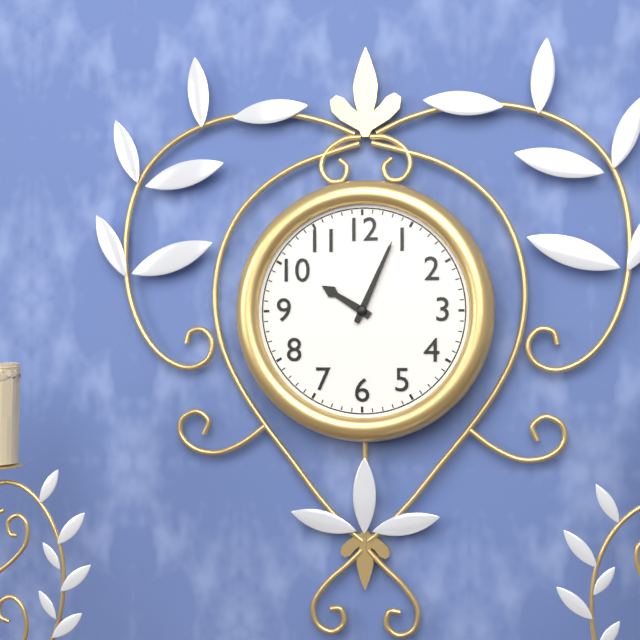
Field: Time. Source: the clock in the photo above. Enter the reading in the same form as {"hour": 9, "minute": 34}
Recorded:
{"hour": 10, "minute": 4}
